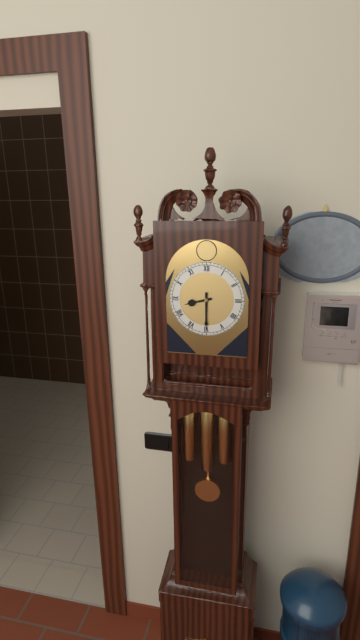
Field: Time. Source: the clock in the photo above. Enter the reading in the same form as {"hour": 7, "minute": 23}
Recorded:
{"hour": 8, "minute": 30}
